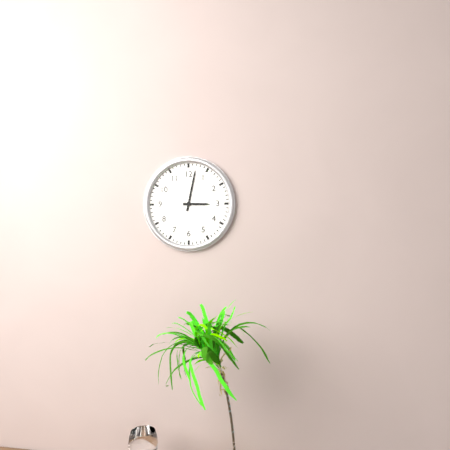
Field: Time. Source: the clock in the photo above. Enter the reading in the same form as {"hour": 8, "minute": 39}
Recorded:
{"hour": 3, "minute": 2}
